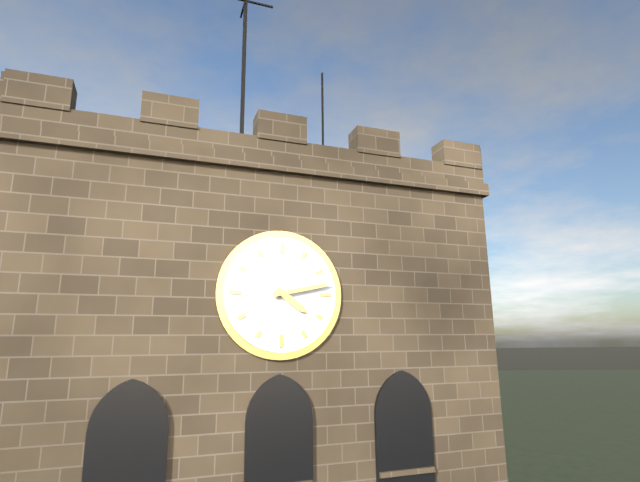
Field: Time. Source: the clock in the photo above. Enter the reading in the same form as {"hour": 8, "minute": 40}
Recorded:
{"hour": 4, "minute": 13}
